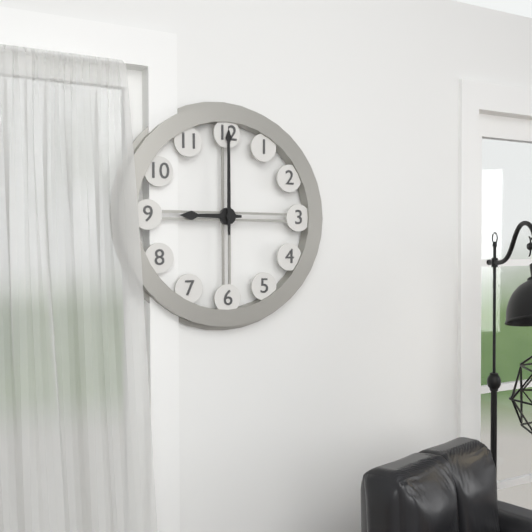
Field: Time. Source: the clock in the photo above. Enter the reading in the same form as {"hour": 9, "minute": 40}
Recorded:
{"hour": 9, "minute": 0}
